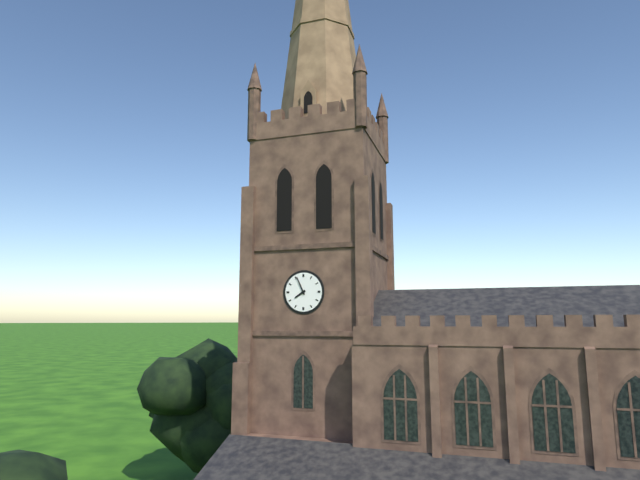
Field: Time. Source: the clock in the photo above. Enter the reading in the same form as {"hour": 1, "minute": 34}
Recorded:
{"hour": 7, "minute": 56}
